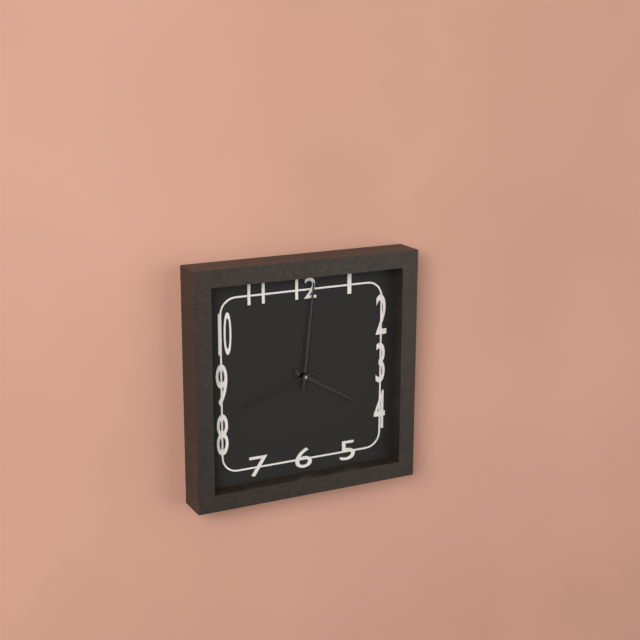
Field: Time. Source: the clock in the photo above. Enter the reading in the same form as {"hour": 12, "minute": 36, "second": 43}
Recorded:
{"hour": 4, "minute": 1, "second": 42}
